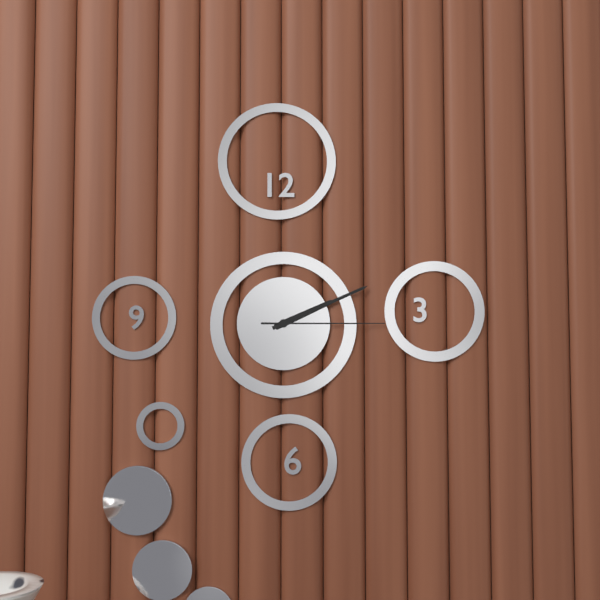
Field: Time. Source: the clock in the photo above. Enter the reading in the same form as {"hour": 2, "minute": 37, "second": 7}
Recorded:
{"hour": 2, "minute": 11, "second": 15}
